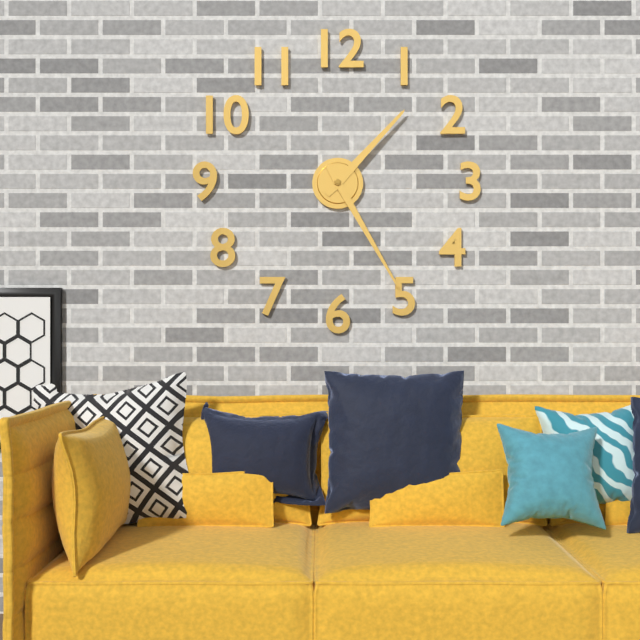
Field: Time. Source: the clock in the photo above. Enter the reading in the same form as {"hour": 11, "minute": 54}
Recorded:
{"hour": 1, "minute": 25}
